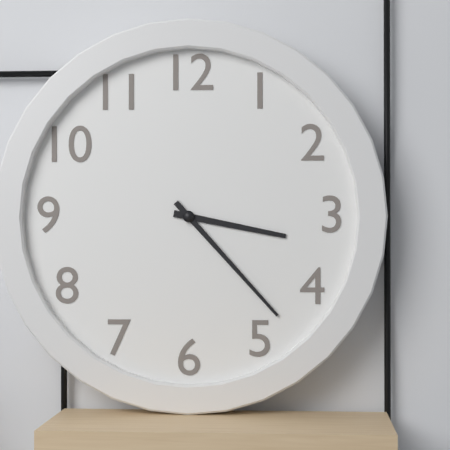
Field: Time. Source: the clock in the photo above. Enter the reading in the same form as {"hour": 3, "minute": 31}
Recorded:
{"hour": 3, "minute": 23}
